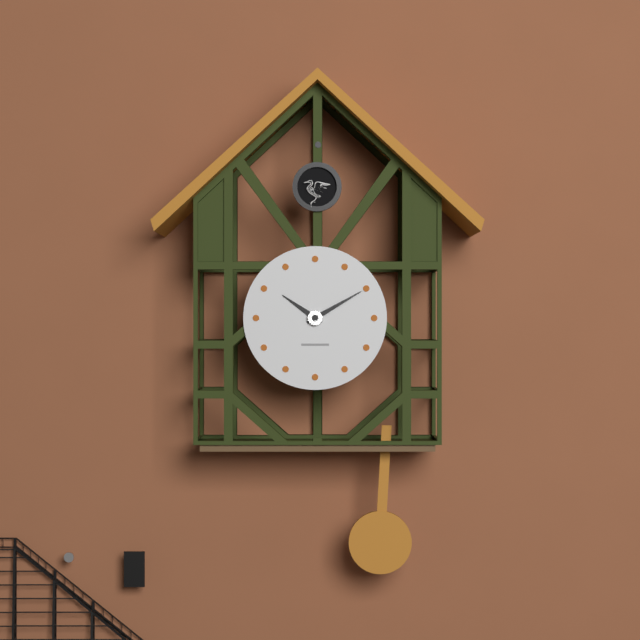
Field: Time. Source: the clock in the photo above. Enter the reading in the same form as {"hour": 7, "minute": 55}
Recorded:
{"hour": 10, "minute": 10}
